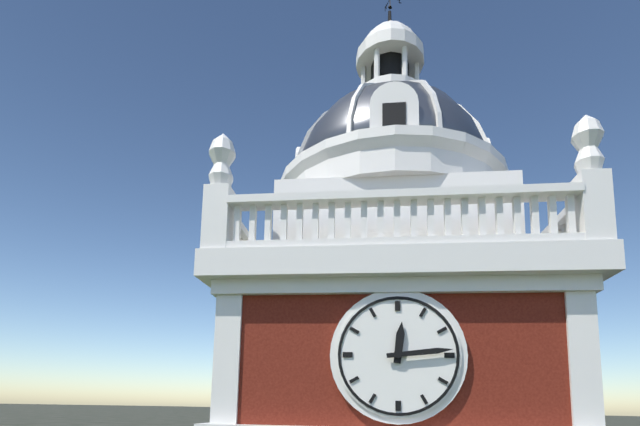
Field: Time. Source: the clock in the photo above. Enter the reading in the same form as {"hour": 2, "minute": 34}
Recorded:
{"hour": 12, "minute": 14}
